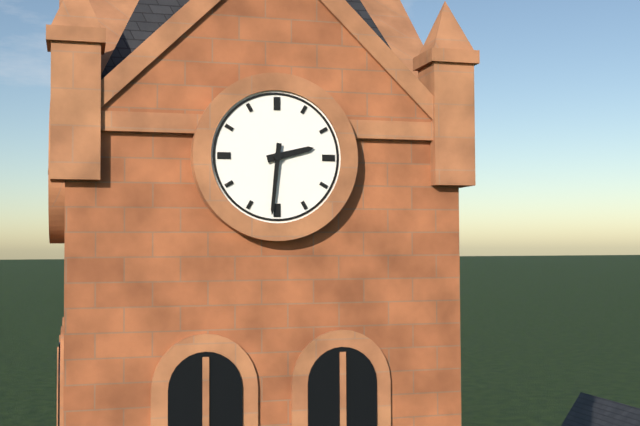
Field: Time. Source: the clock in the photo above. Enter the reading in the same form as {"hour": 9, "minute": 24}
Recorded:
{"hour": 2, "minute": 31}
